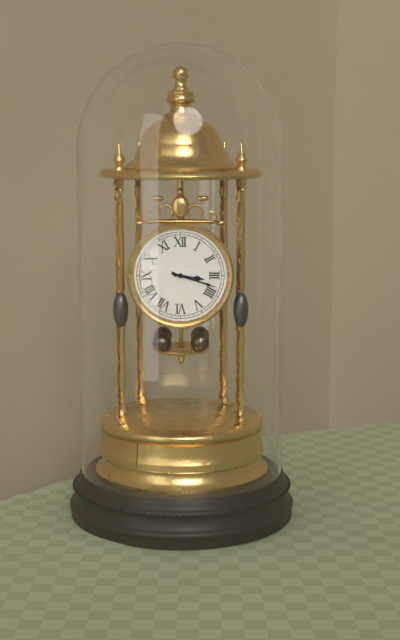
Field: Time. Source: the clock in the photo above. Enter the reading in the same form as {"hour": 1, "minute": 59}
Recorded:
{"hour": 3, "minute": 18}
